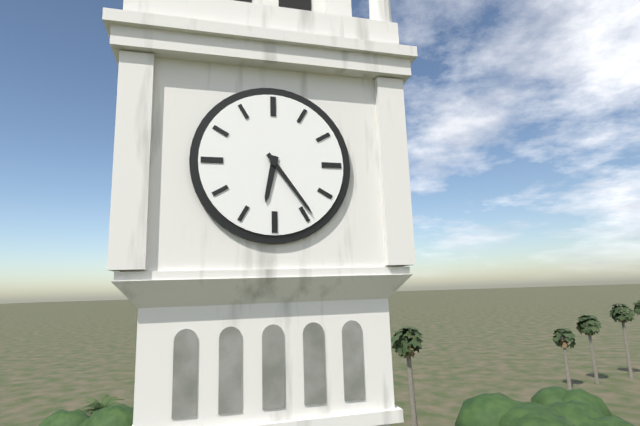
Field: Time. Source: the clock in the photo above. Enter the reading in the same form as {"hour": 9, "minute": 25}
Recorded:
{"hour": 6, "minute": 24}
